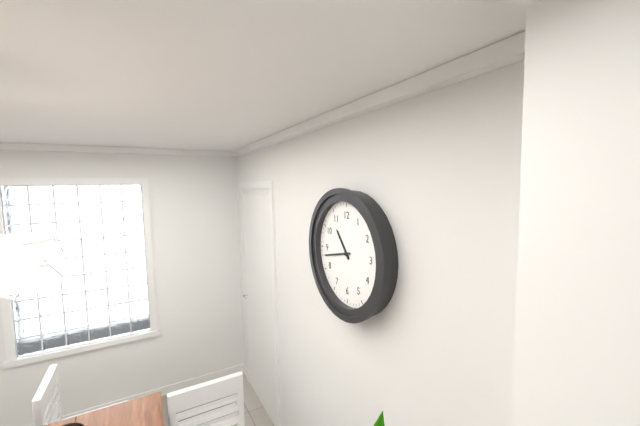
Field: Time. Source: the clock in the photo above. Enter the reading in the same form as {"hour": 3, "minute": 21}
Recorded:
{"hour": 10, "minute": 43}
